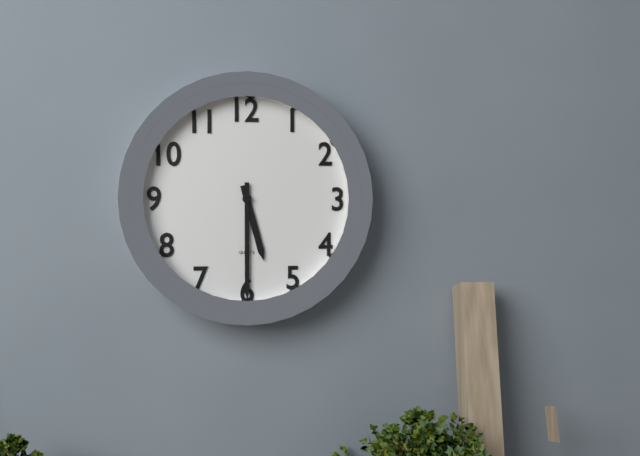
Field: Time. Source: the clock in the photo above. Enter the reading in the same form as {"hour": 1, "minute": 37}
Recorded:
{"hour": 5, "minute": 30}
